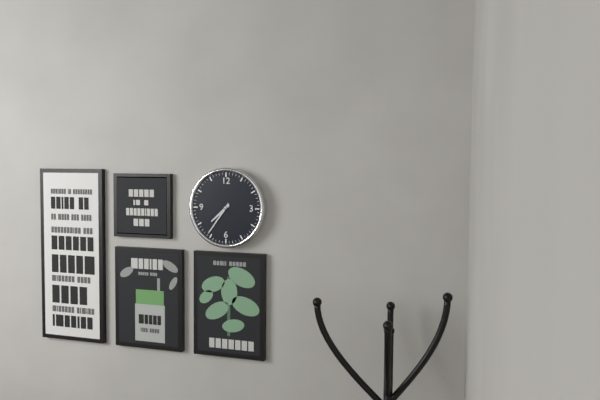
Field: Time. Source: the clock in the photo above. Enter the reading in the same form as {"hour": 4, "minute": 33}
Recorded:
{"hour": 7, "minute": 36}
